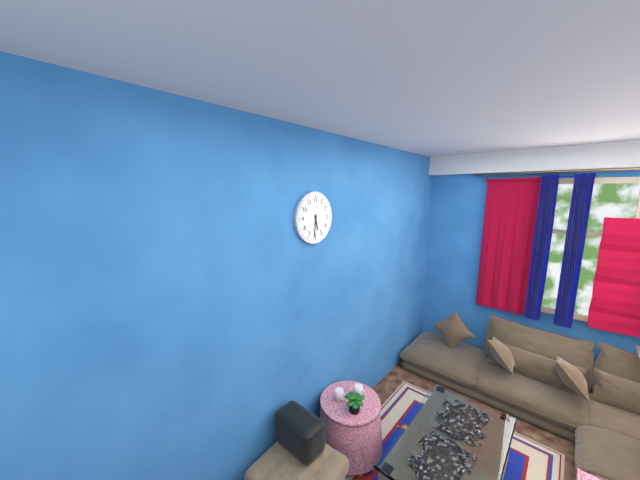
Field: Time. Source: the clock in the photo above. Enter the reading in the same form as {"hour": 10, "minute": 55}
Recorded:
{"hour": 5, "minute": 31}
